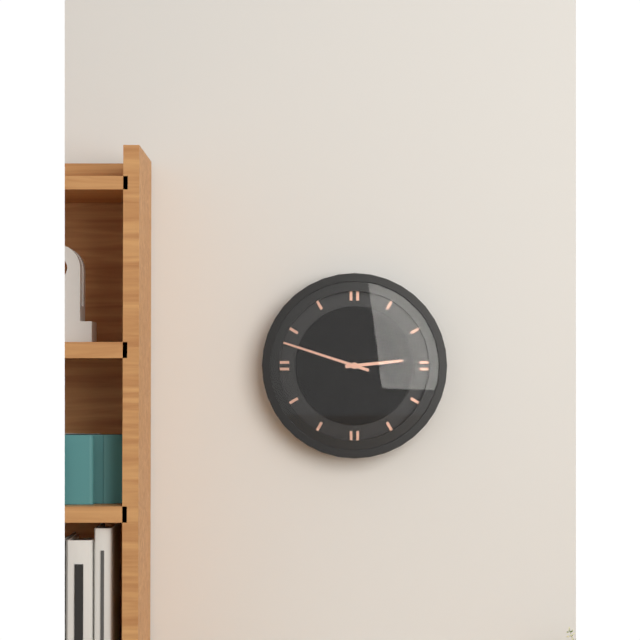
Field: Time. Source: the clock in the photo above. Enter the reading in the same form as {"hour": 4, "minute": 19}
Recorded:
{"hour": 2, "minute": 48}
